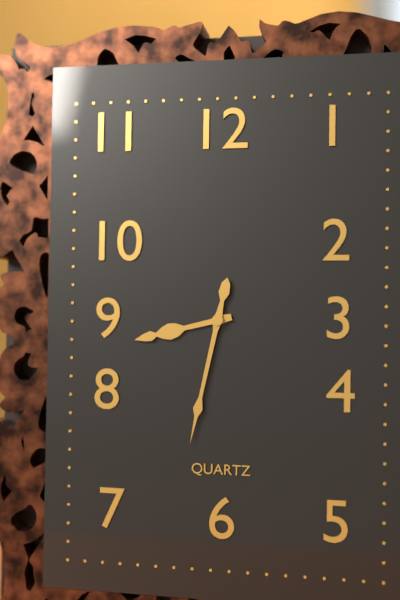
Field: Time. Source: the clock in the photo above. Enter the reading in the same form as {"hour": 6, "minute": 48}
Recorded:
{"hour": 8, "minute": 32}
